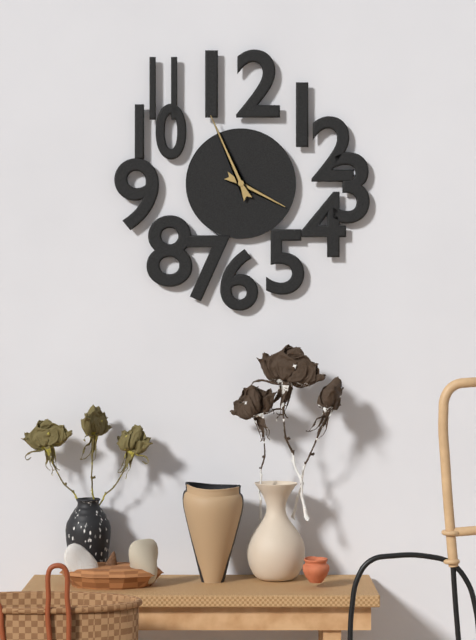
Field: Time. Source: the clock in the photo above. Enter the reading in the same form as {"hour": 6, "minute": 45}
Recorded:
{"hour": 3, "minute": 56}
